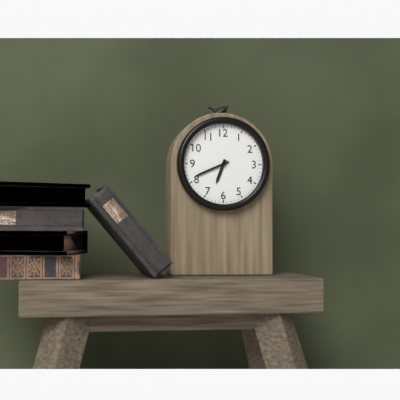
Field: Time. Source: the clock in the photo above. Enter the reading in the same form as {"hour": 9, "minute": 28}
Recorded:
{"hour": 6, "minute": 41}
